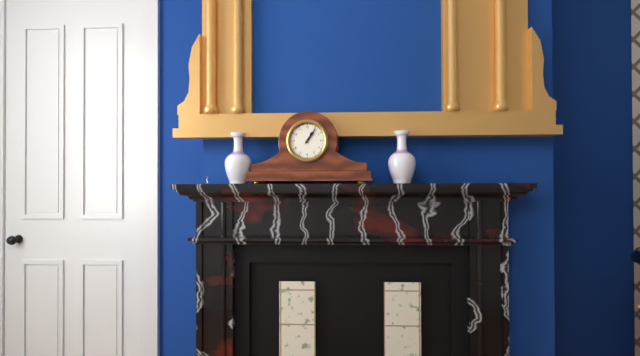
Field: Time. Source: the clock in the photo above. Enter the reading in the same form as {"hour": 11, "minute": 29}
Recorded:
{"hour": 1, "minute": 6}
